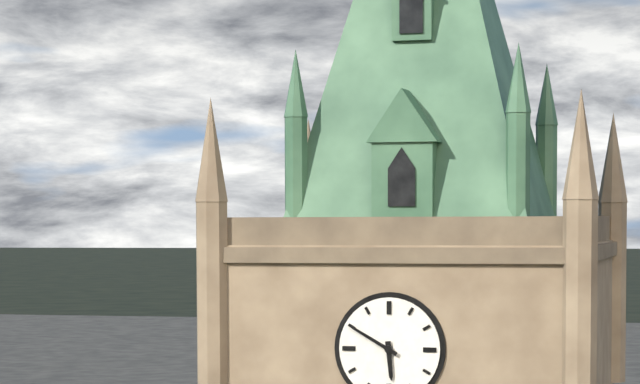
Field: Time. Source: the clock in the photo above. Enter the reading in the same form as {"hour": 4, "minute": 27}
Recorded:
{"hour": 5, "minute": 50}
